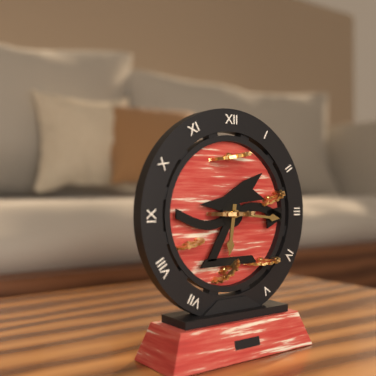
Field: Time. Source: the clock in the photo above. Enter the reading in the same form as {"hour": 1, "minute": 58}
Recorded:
{"hour": 6, "minute": 16}
